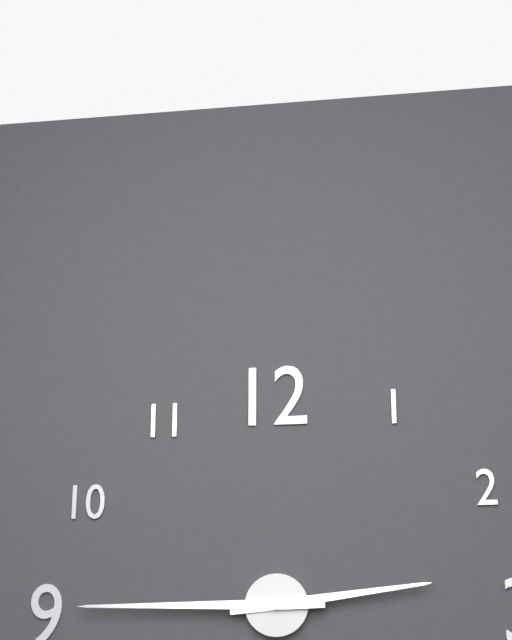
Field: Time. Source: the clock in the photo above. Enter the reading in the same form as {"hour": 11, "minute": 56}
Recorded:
{"hour": 2, "minute": 45}
